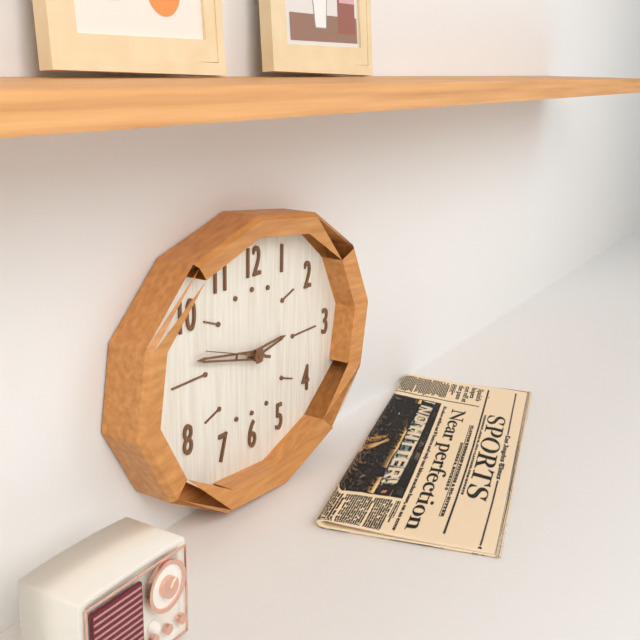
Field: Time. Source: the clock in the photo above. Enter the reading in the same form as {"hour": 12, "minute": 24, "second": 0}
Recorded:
{"hour": 2, "minute": 47, "second": 48}
